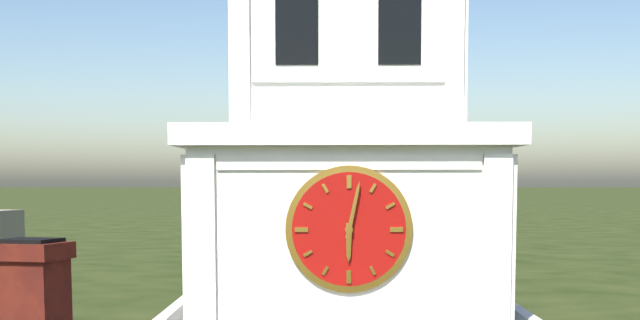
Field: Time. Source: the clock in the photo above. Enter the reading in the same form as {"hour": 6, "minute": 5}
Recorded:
{"hour": 6, "minute": 2}
